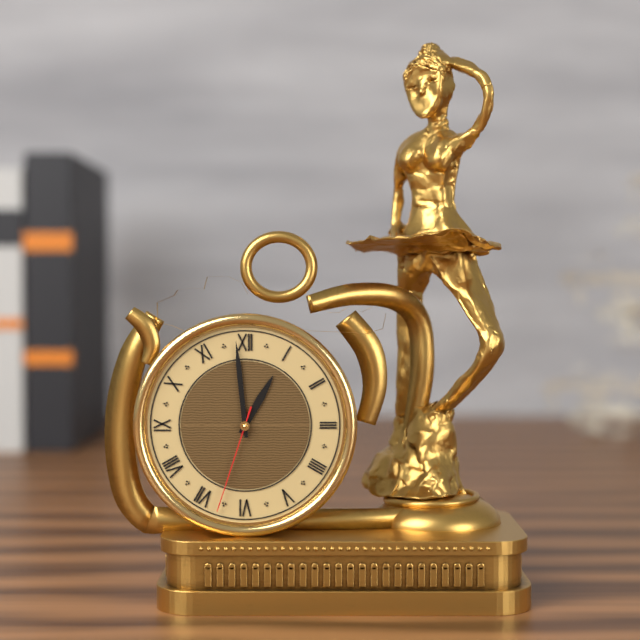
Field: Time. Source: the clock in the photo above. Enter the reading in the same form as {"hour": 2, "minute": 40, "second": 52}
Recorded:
{"hour": 12, "minute": 59, "second": 33}
